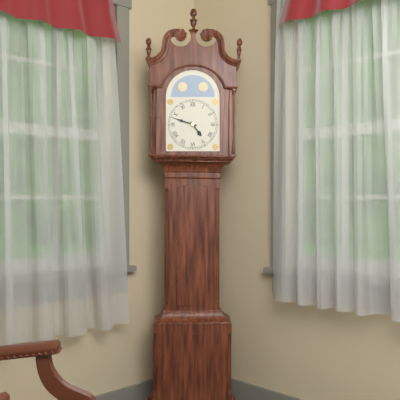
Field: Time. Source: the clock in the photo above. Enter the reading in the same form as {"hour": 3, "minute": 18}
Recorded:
{"hour": 4, "minute": 48}
